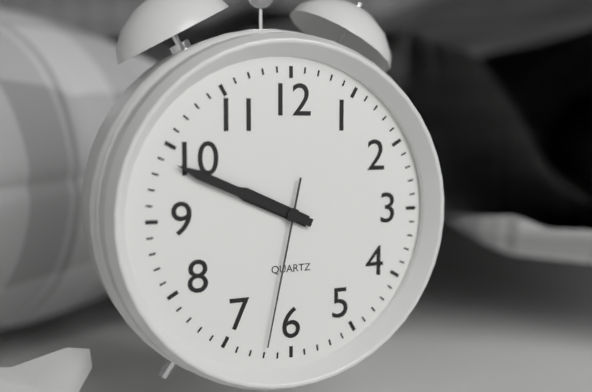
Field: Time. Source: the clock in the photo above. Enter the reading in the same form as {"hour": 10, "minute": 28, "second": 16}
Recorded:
{"hour": 9, "minute": 49, "second": 32}
